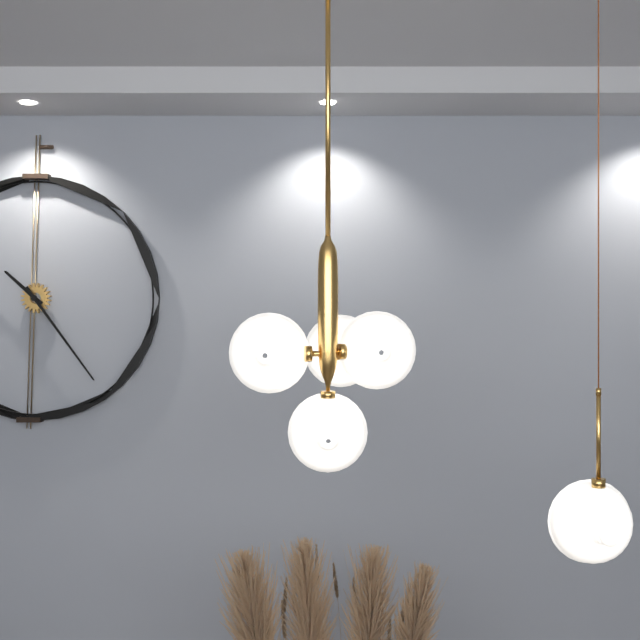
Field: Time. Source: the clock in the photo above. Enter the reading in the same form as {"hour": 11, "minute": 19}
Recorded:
{"hour": 10, "minute": 24}
